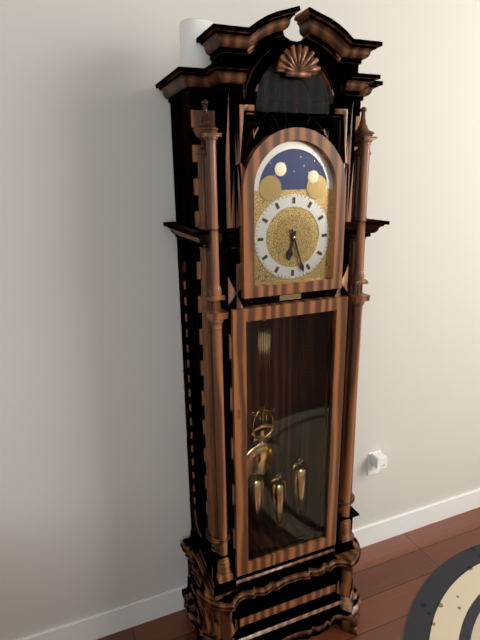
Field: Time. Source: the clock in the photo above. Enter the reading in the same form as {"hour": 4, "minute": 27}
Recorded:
{"hour": 6, "minute": 27}
